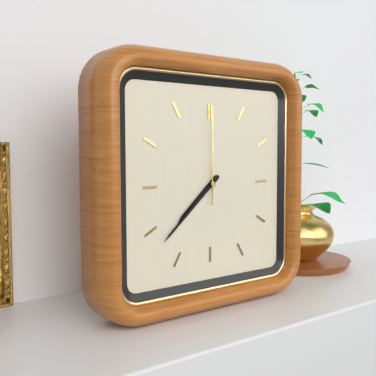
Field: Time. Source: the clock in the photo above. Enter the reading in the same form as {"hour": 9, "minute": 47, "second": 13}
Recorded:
{"hour": 7, "minute": 38, "second": 0}
